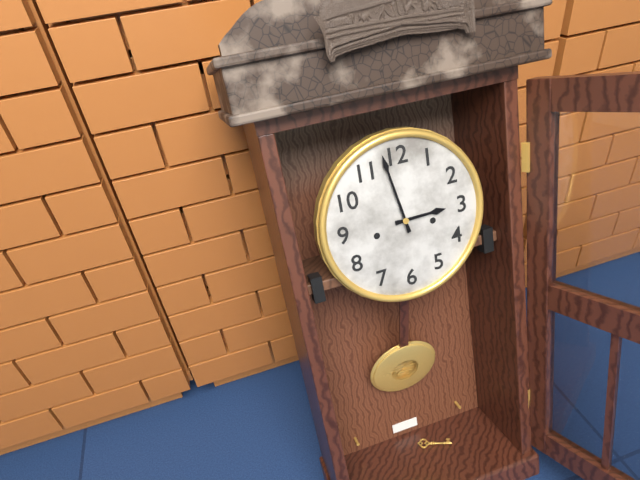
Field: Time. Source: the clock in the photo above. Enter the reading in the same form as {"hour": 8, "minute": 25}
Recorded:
{"hour": 2, "minute": 58}
